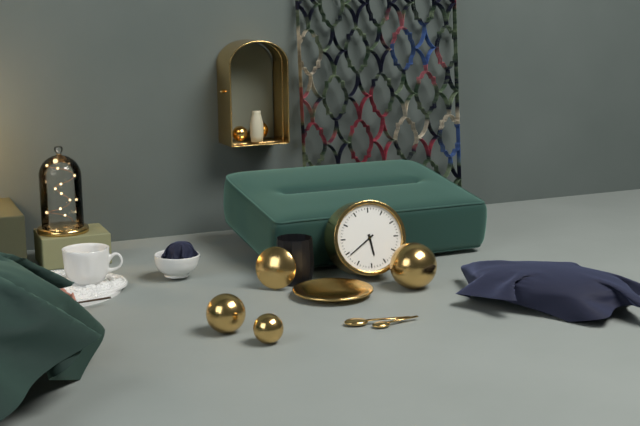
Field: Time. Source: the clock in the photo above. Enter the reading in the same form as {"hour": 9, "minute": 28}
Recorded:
{"hour": 5, "minute": 39}
